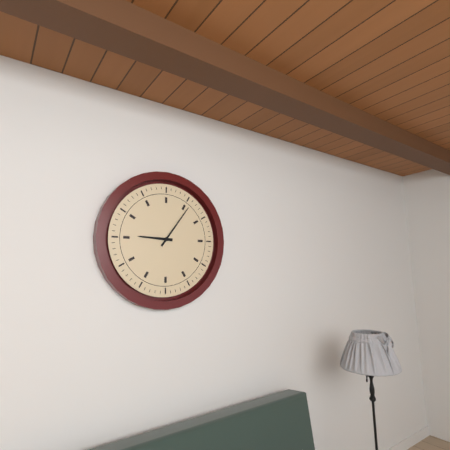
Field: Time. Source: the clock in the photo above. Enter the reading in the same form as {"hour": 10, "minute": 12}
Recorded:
{"hour": 9, "minute": 6}
